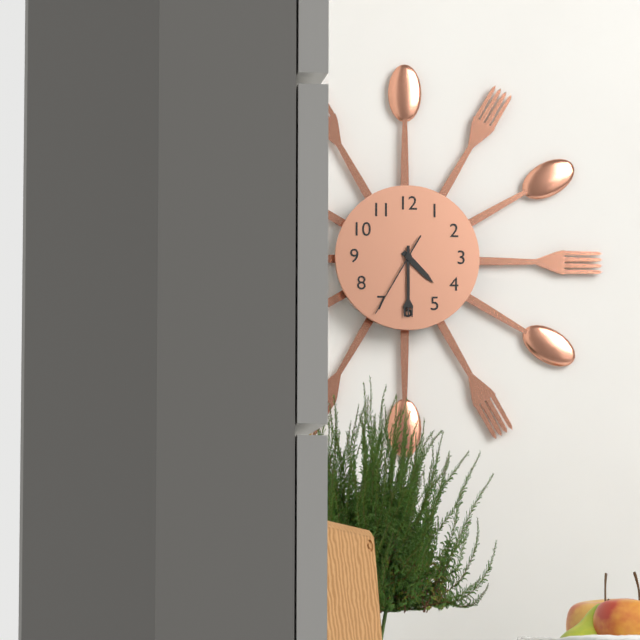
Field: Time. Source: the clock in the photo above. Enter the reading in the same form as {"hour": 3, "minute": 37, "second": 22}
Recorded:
{"hour": 4, "minute": 30, "second": 35}
